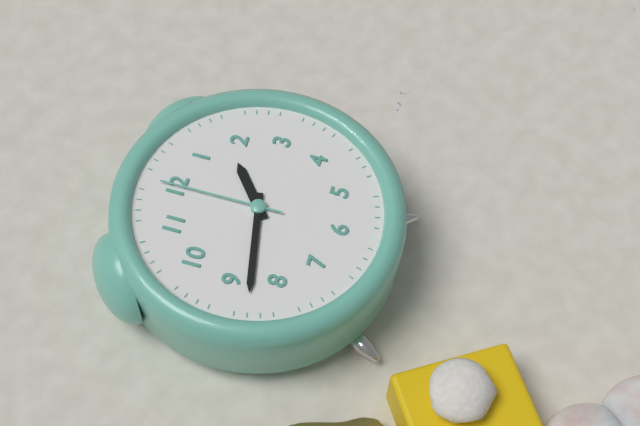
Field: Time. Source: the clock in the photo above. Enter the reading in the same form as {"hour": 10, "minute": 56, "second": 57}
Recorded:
{"hour": 1, "minute": 43, "second": 0}
